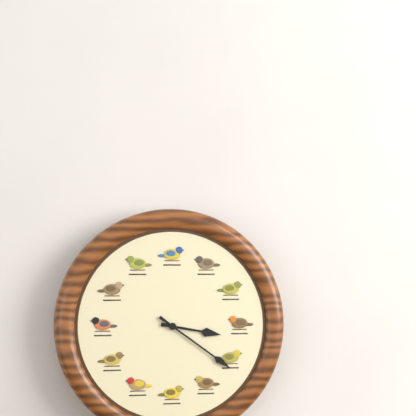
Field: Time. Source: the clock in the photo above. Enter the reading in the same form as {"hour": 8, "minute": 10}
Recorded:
{"hour": 3, "minute": 21}
